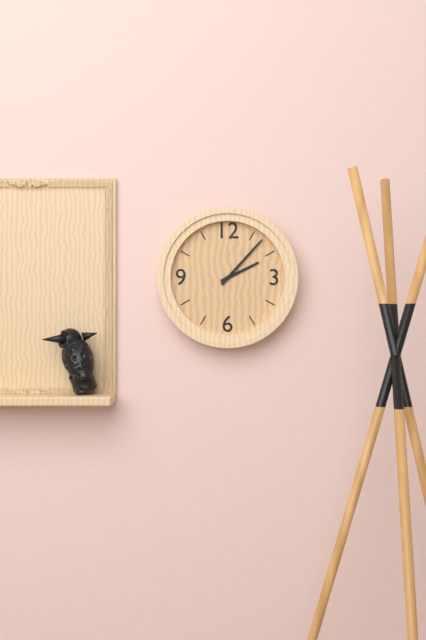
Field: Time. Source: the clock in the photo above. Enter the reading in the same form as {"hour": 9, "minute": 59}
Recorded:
{"hour": 2, "minute": 7}
